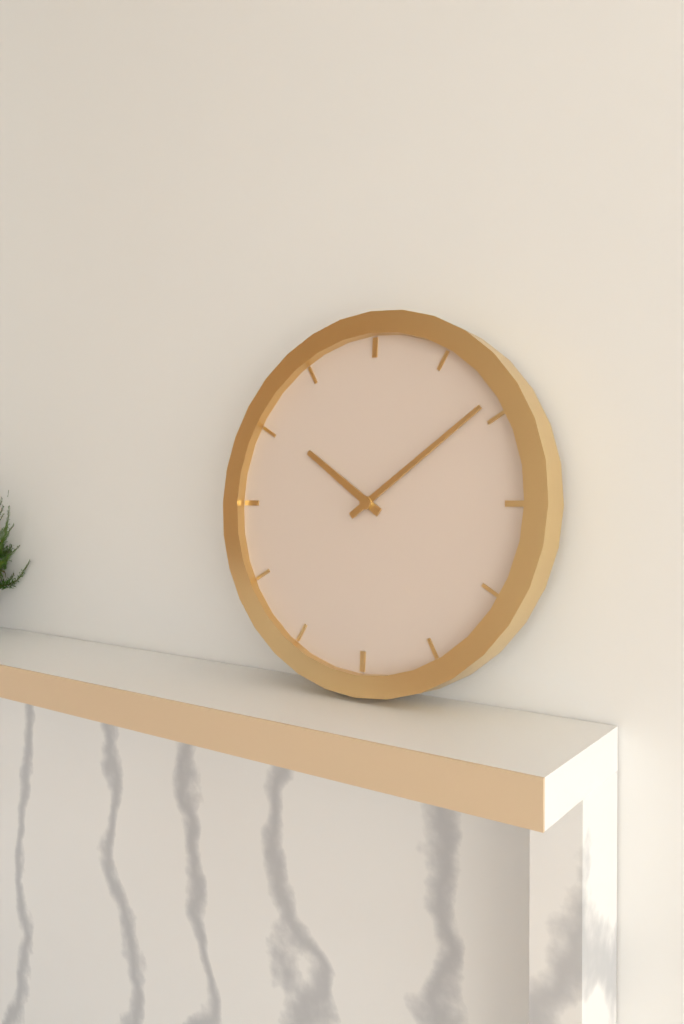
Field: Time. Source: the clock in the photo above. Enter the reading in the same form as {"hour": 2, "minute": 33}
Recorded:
{"hour": 10, "minute": 9}
